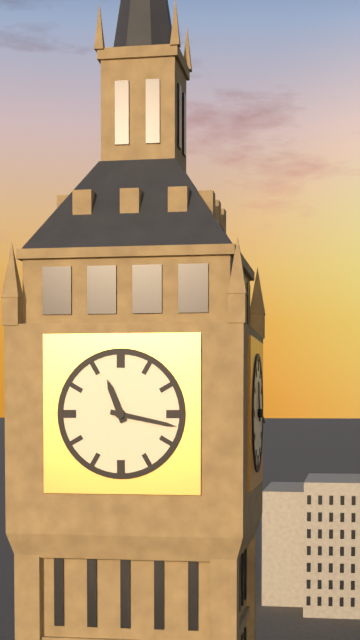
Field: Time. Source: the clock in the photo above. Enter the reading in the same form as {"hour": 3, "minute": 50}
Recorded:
{"hour": 11, "minute": 17}
